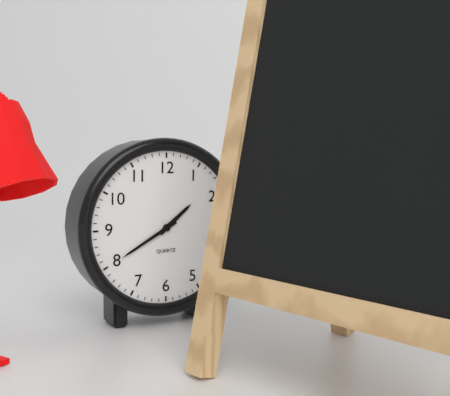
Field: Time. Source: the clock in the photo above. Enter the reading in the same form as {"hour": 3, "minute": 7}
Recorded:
{"hour": 1, "minute": 40}
